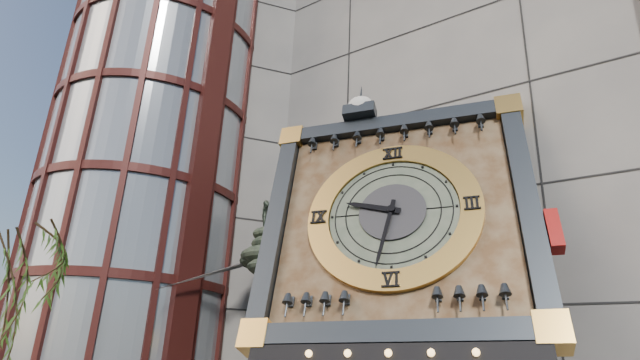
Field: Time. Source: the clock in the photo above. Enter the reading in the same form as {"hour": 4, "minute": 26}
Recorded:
{"hour": 9, "minute": 32}
